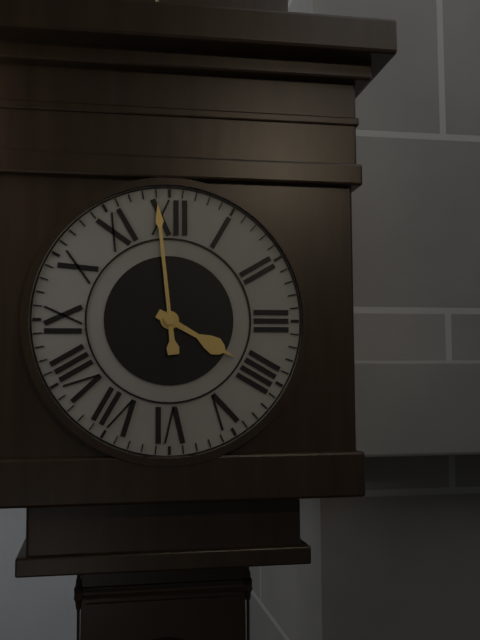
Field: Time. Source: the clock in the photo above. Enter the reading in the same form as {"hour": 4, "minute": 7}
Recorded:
{"hour": 3, "minute": 59}
